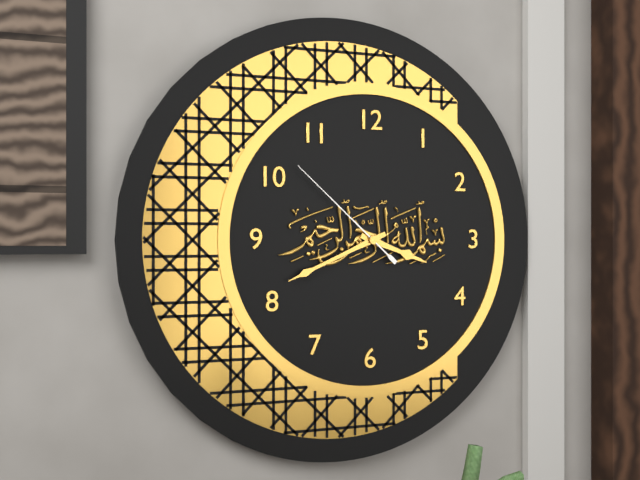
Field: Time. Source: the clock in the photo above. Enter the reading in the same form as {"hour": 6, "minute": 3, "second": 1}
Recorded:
{"hour": 3, "minute": 41, "second": 52}
